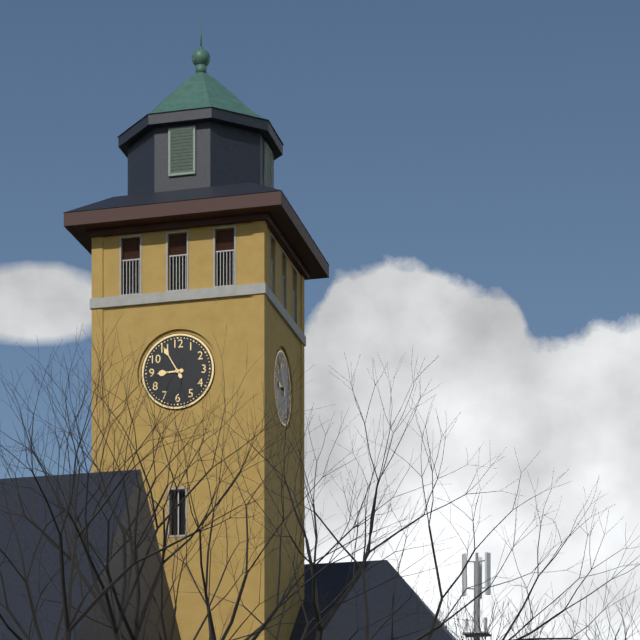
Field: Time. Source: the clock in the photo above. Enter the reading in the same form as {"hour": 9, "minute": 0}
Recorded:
{"hour": 8, "minute": 55}
